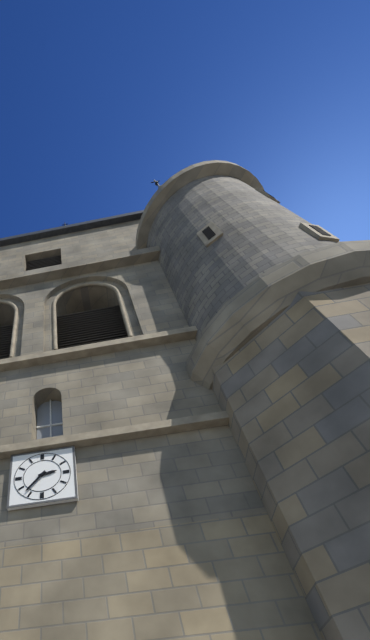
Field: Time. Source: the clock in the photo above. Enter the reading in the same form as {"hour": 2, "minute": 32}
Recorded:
{"hour": 2, "minute": 37}
